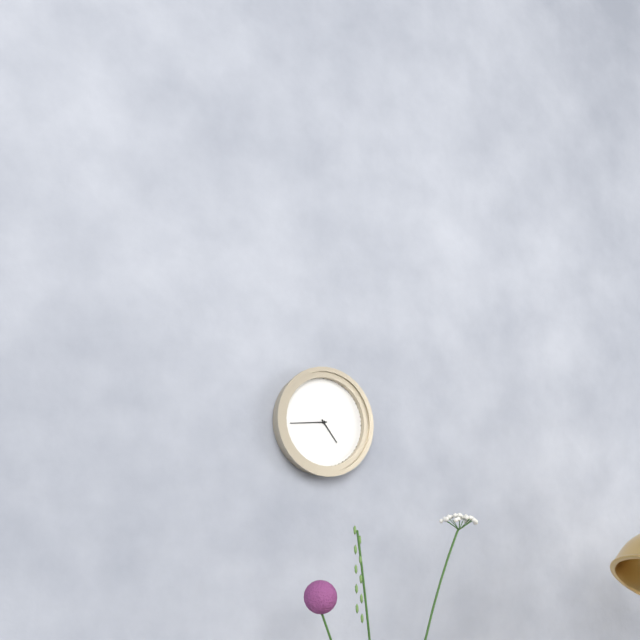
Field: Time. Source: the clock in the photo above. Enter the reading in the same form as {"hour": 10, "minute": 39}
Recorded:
{"hour": 4, "minute": 44}
